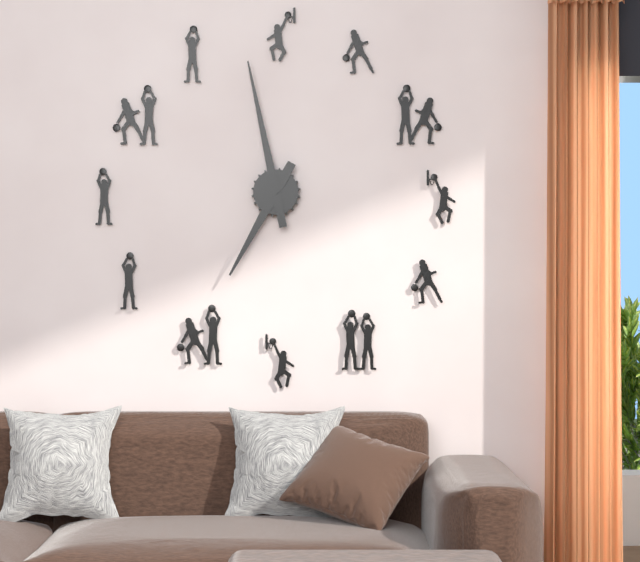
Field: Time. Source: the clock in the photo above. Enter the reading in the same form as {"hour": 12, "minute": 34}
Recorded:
{"hour": 6, "minute": 58}
